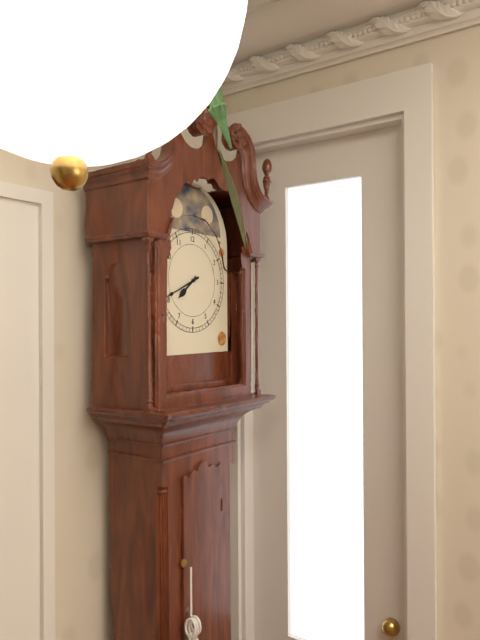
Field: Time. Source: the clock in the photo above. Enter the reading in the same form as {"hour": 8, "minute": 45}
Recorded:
{"hour": 7, "minute": 41}
